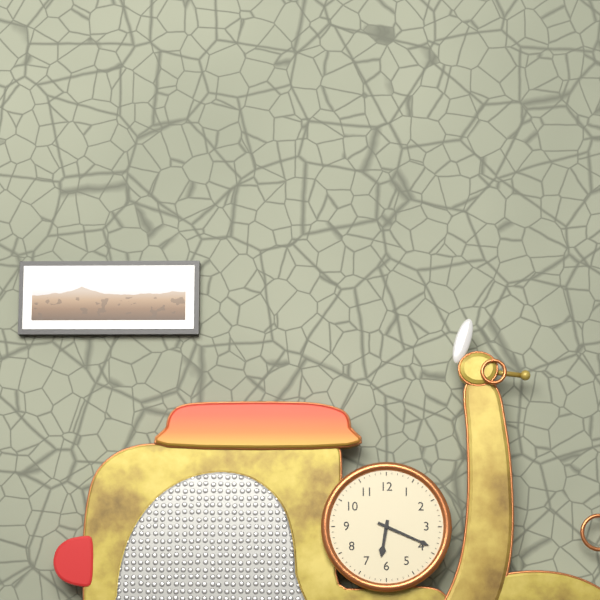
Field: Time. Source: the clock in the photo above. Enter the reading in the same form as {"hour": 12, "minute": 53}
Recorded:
{"hour": 6, "minute": 19}
